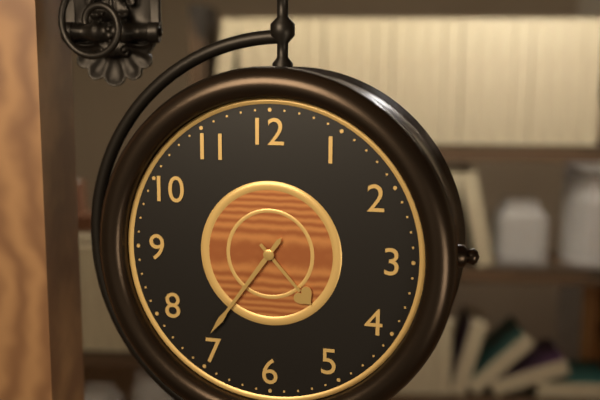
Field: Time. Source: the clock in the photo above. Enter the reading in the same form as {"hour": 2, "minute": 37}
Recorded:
{"hour": 4, "minute": 36}
